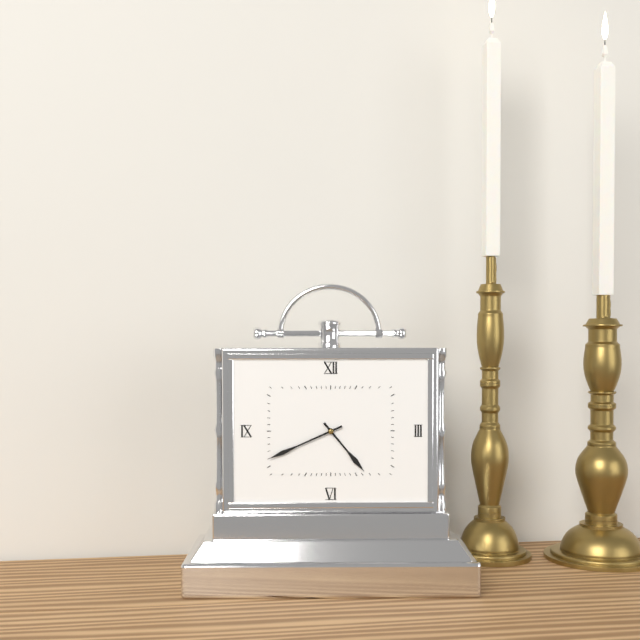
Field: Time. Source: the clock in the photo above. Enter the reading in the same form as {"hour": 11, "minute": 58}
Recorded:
{"hour": 4, "minute": 41}
